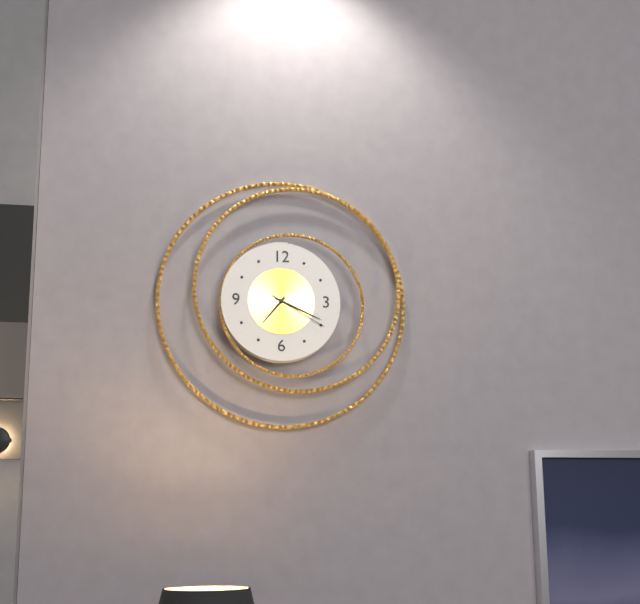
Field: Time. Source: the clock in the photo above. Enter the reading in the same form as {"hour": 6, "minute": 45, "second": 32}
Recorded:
{"hour": 7, "minute": 19, "second": 20}
